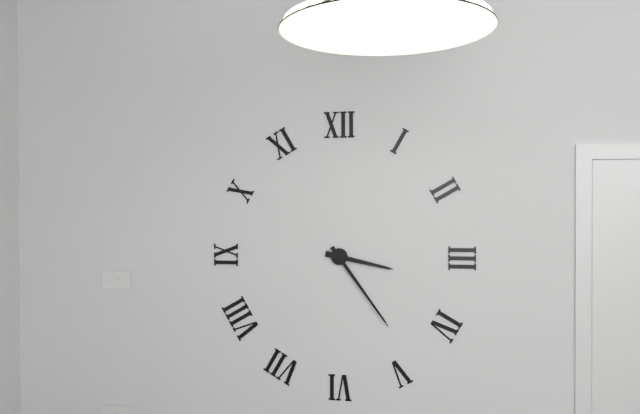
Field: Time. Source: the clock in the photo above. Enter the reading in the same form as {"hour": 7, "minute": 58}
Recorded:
{"hour": 3, "minute": 24}
